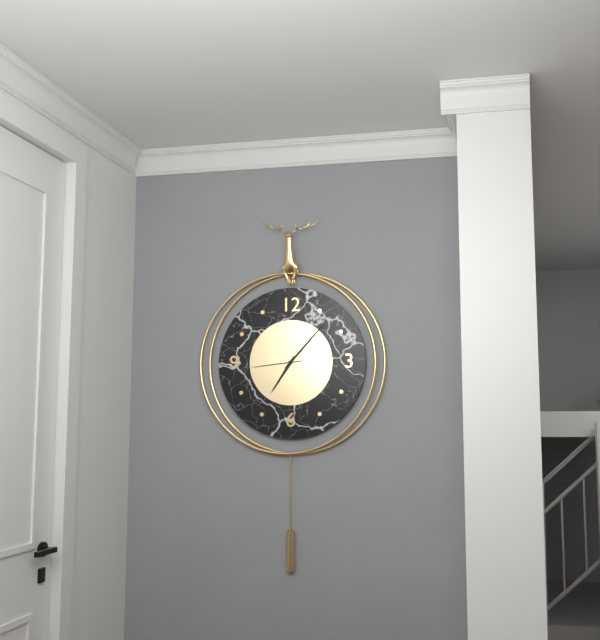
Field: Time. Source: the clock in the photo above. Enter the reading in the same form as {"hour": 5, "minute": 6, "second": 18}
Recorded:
{"hour": 7, "minute": 7, "second": 44}
